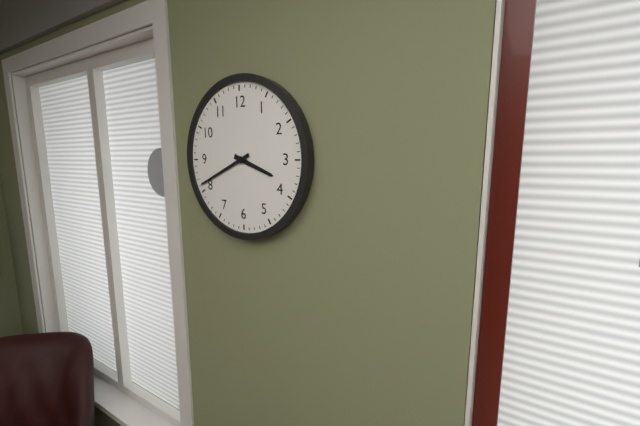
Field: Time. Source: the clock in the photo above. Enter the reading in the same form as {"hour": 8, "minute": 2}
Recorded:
{"hour": 3, "minute": 41}
